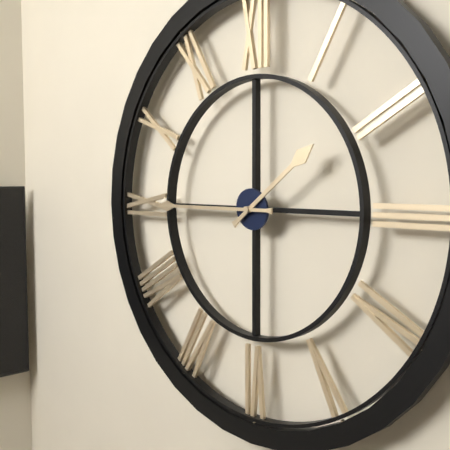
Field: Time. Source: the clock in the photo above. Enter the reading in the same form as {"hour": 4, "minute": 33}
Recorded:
{"hour": 1, "minute": 45}
